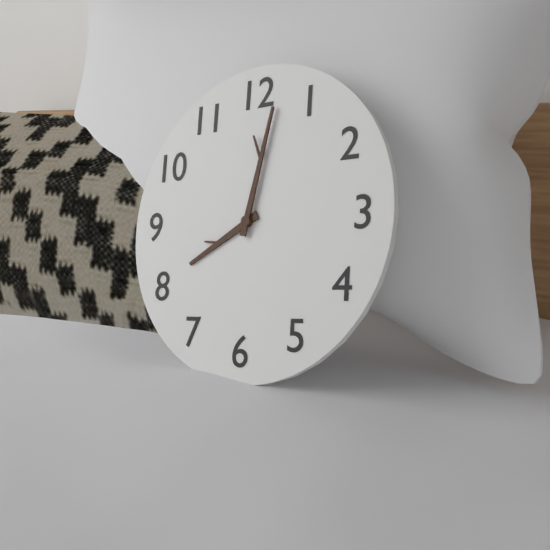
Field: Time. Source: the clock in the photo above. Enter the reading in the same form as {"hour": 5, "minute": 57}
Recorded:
{"hour": 8, "minute": 2}
